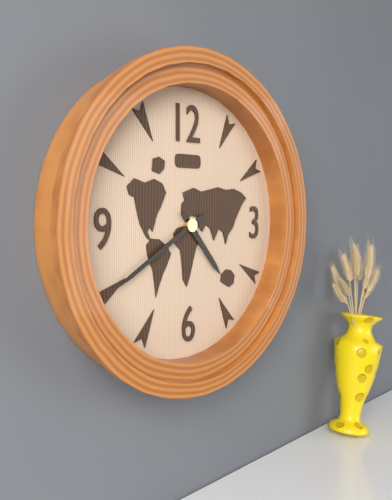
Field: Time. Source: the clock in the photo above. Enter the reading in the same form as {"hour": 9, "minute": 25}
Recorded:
{"hour": 4, "minute": 40}
